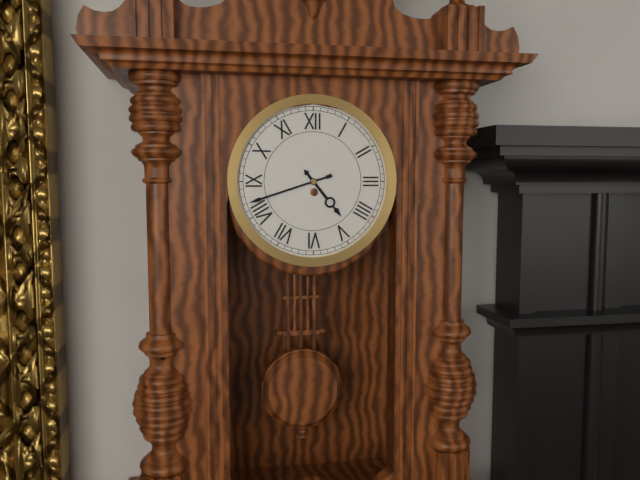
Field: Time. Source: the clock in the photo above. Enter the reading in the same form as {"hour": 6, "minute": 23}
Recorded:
{"hour": 4, "minute": 42}
